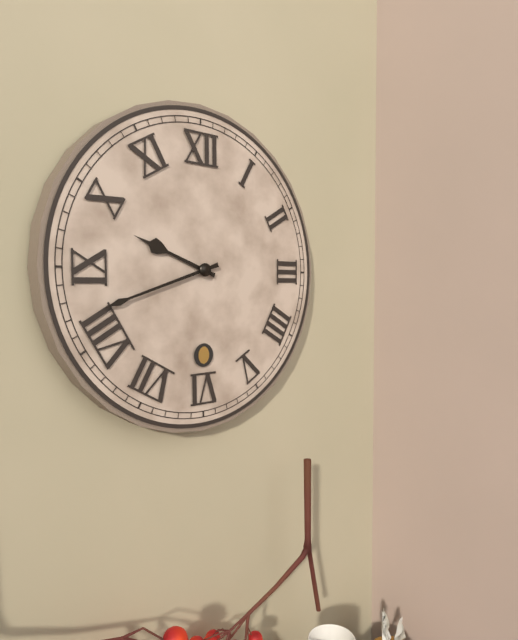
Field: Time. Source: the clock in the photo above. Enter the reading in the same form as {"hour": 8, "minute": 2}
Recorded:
{"hour": 9, "minute": 42}
